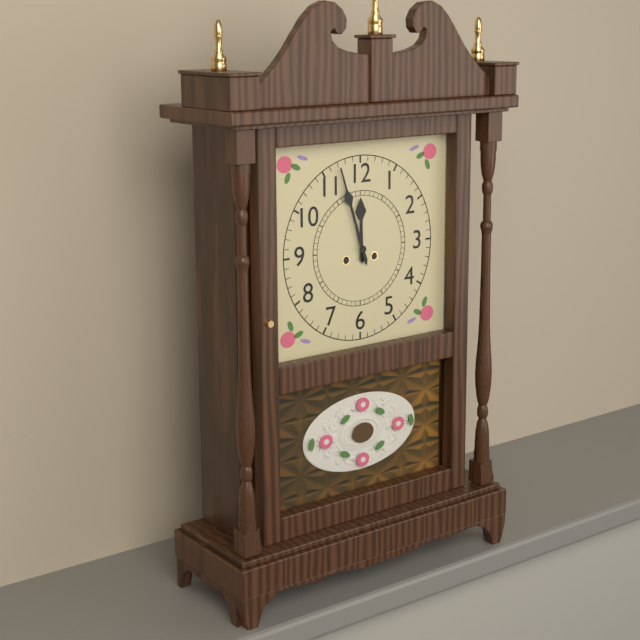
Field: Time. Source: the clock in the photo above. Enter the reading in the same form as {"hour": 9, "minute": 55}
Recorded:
{"hour": 11, "minute": 57}
